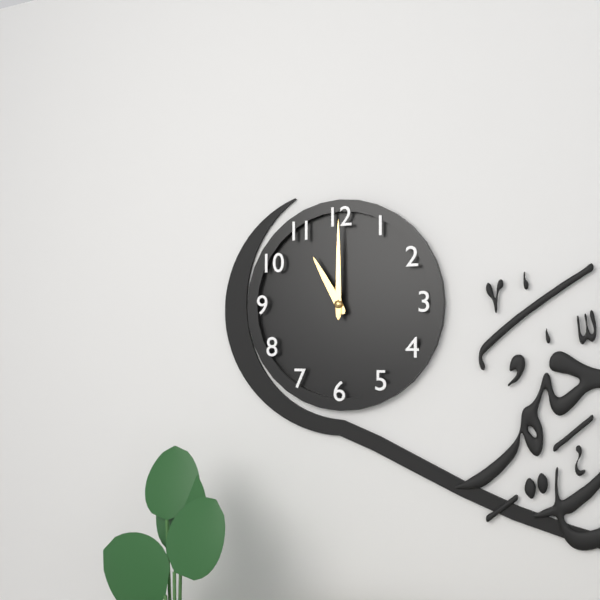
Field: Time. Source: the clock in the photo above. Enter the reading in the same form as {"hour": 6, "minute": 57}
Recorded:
{"hour": 11, "minute": 0}
